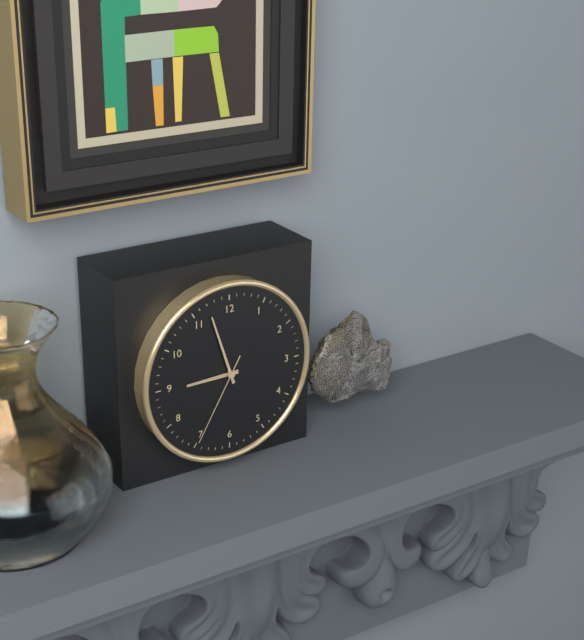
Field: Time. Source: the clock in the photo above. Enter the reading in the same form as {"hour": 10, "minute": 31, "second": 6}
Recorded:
{"hour": 8, "minute": 57, "second": 35}
